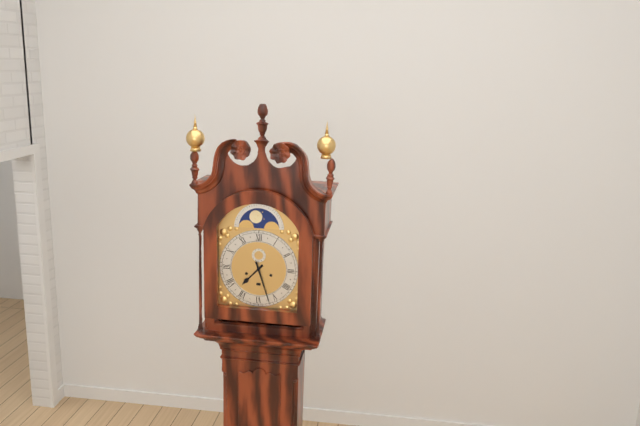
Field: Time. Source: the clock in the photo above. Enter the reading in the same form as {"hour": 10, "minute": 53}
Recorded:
{"hour": 7, "minute": 27}
